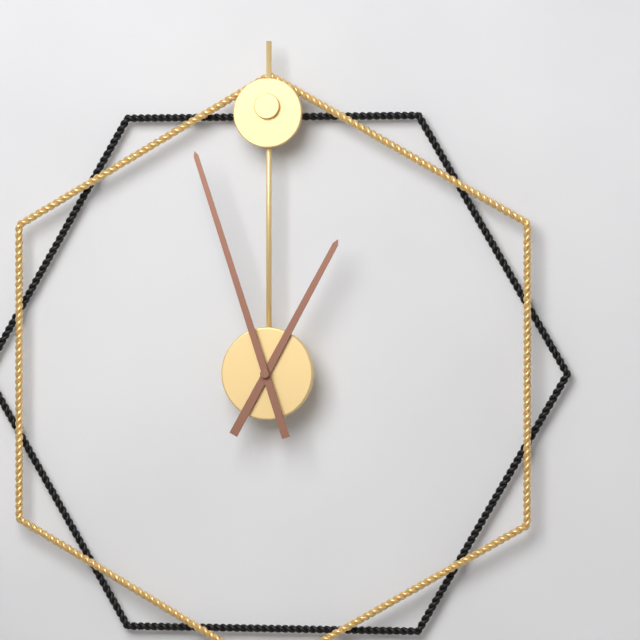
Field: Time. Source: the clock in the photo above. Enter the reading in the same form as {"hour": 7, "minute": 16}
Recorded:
{"hour": 12, "minute": 57}
